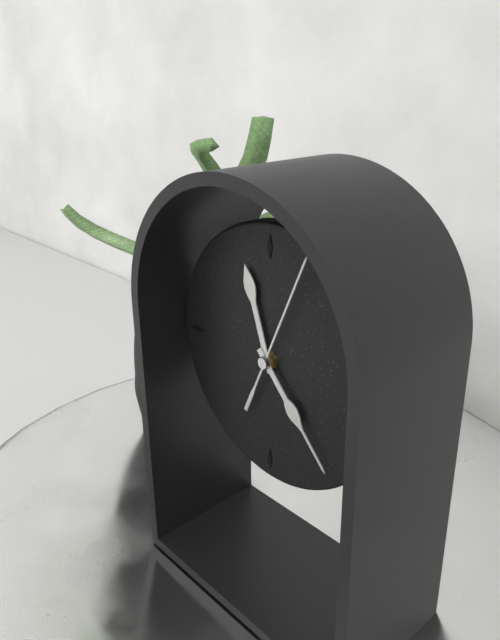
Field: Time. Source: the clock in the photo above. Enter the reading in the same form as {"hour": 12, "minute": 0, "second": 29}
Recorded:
{"hour": 11, "minute": 23, "second": 4}
